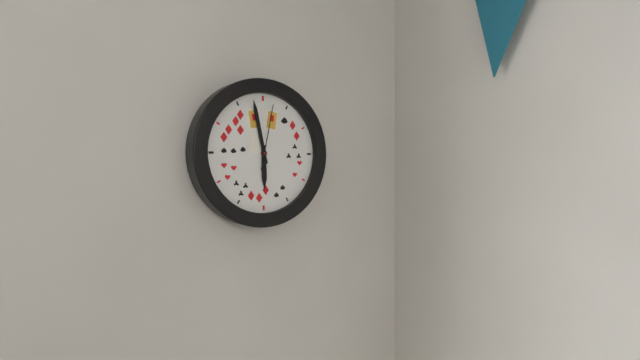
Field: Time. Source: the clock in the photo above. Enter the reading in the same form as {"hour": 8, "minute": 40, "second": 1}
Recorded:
{"hour": 5, "minute": 58, "second": 2}
